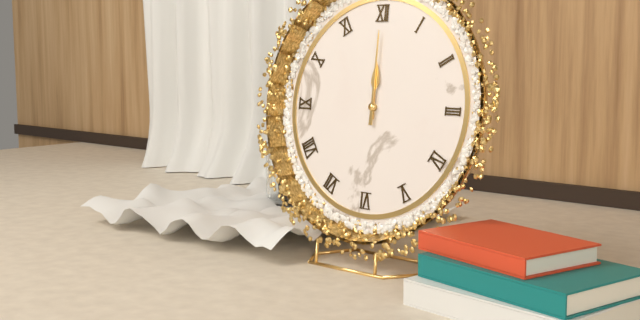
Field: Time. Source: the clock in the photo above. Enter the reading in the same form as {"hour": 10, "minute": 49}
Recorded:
{"hour": 12, "minute": 0}
